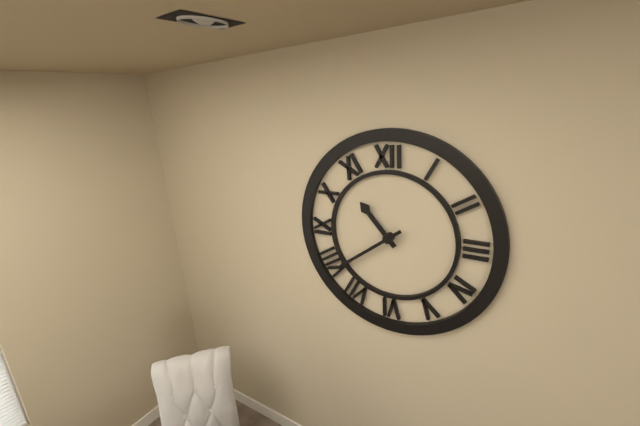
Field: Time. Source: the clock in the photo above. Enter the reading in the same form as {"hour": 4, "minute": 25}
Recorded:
{"hour": 10, "minute": 39}
